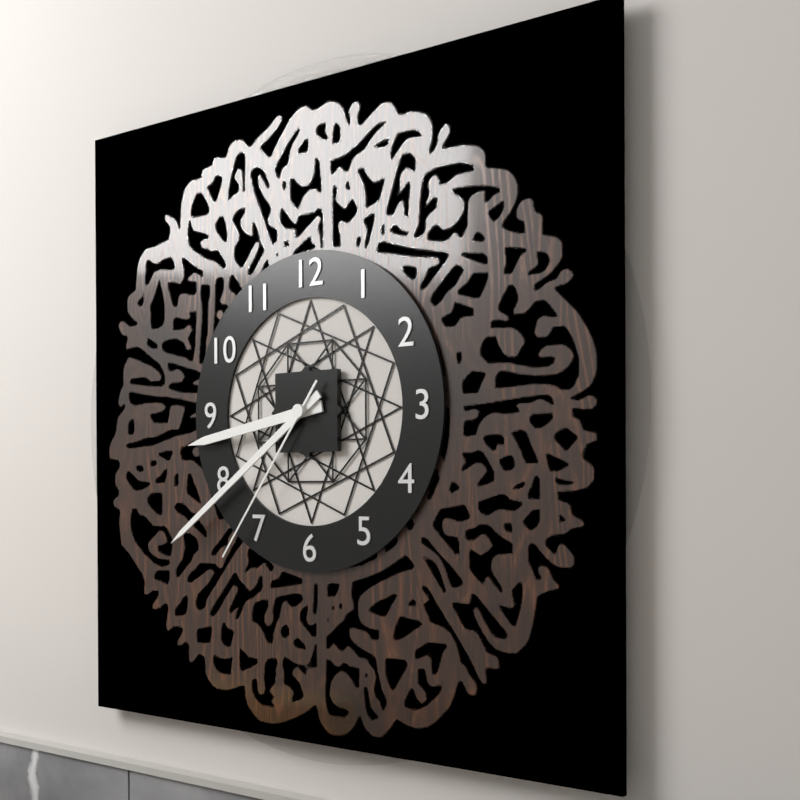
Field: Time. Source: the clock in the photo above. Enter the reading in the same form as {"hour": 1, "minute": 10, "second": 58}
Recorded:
{"hour": 8, "minute": 39, "second": 36}
